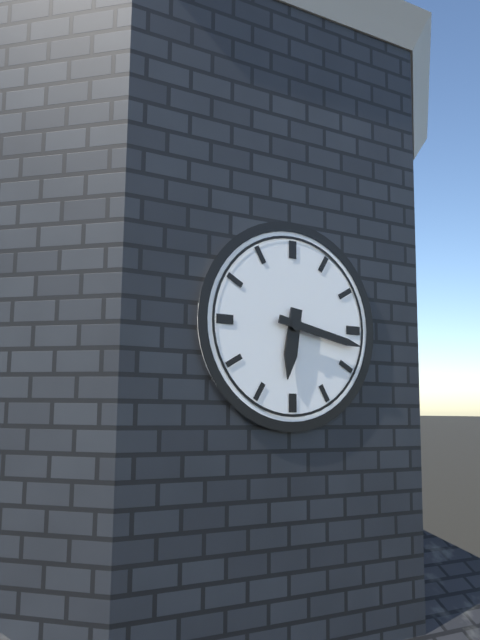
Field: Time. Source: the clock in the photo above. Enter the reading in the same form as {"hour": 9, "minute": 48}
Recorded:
{"hour": 6, "minute": 17}
